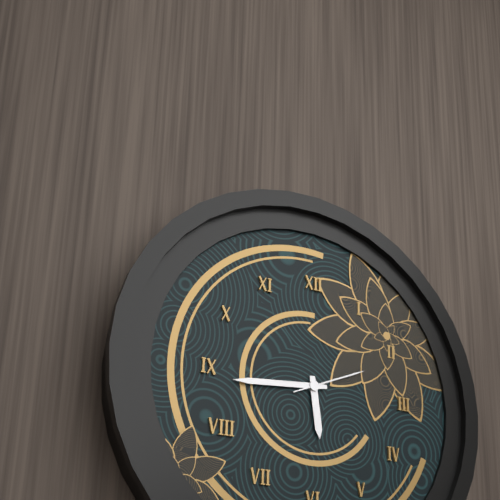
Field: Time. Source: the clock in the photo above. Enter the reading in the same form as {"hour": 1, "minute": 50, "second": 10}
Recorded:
{"hour": 5, "minute": 44, "second": 11}
